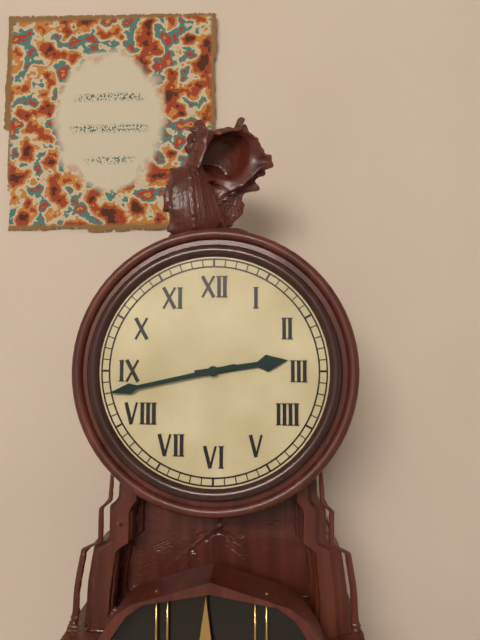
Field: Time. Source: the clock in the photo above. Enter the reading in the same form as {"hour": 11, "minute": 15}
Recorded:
{"hour": 2, "minute": 43}
